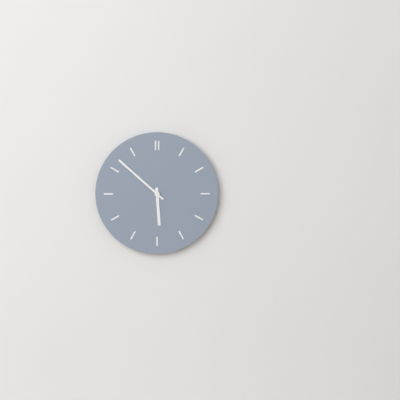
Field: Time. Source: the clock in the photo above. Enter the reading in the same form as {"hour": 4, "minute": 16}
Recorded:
{"hour": 5, "minute": 52}
